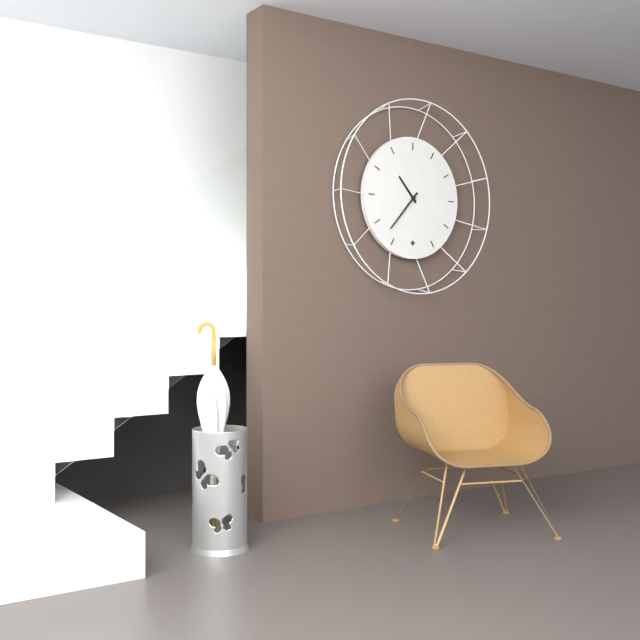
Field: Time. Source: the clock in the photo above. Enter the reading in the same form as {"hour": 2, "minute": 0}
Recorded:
{"hour": 10, "minute": 37}
